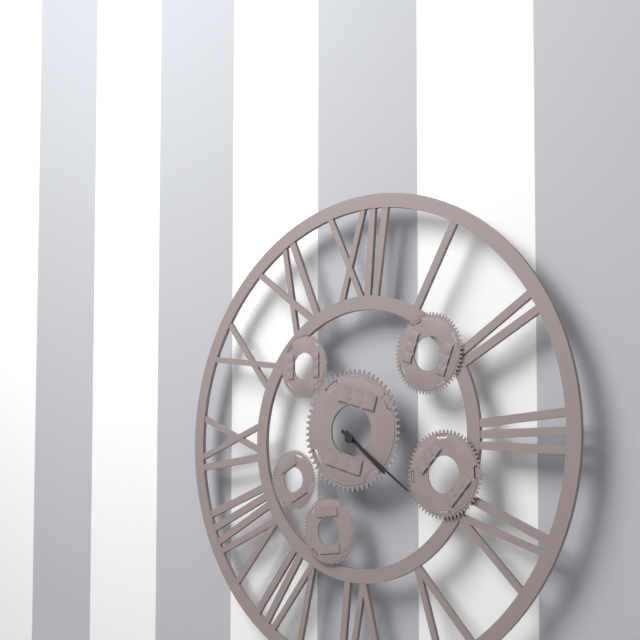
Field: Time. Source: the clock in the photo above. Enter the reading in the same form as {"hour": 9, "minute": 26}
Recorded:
{"hour": 4, "minute": 21}
